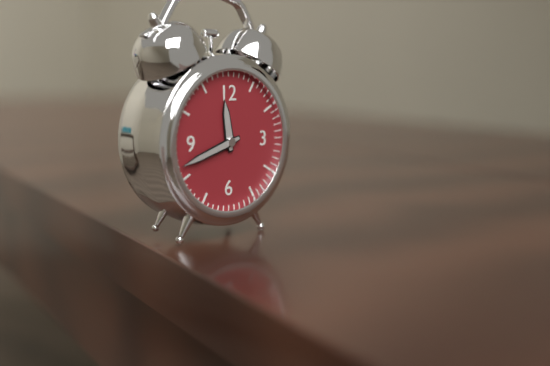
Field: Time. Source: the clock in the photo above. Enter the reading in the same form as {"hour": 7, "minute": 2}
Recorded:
{"hour": 11, "minute": 42}
